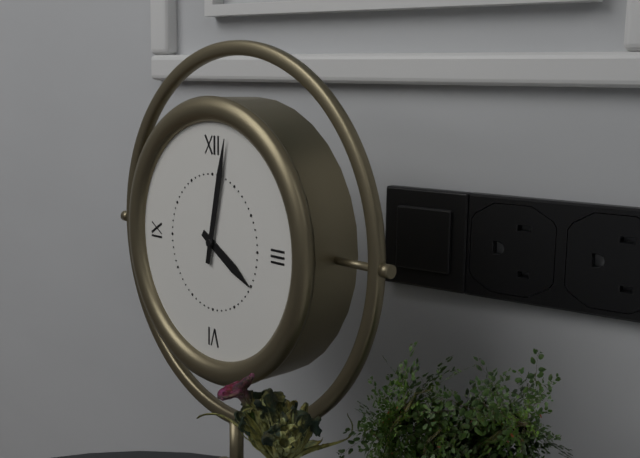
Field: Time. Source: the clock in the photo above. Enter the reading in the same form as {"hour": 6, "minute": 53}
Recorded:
{"hour": 4, "minute": 2}
